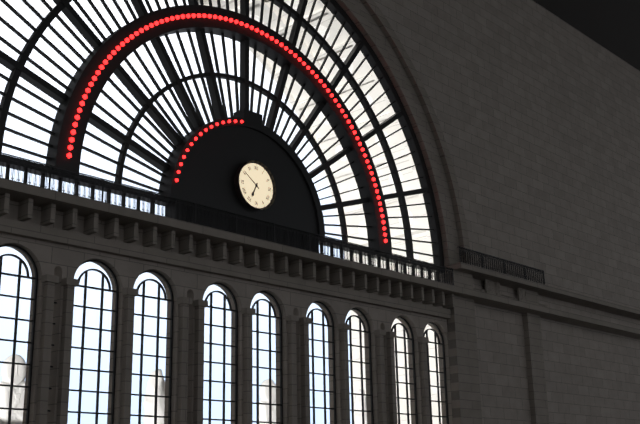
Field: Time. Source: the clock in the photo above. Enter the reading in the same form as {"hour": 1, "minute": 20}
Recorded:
{"hour": 6, "minute": 51}
